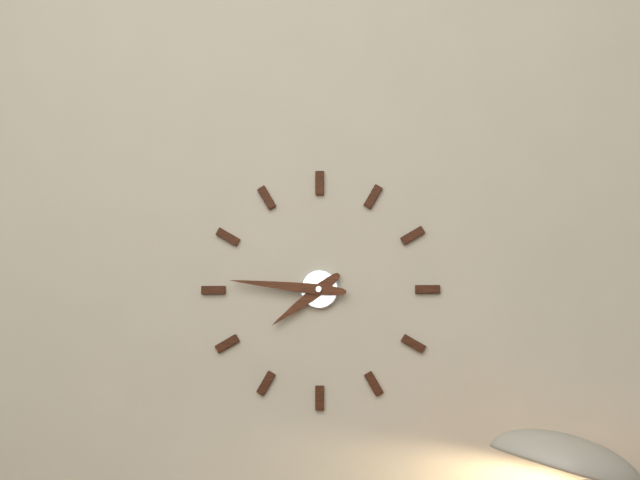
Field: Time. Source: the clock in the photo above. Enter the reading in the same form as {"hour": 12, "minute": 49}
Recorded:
{"hour": 7, "minute": 46}
